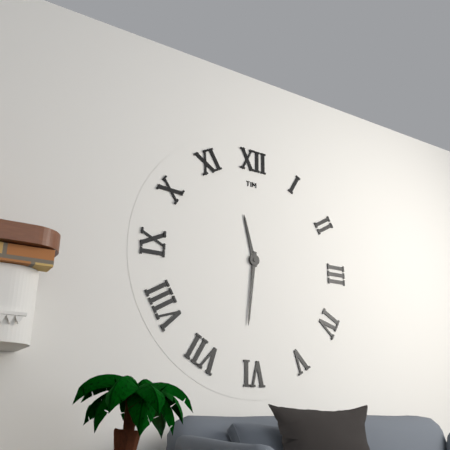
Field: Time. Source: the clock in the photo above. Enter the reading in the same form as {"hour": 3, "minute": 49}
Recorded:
{"hour": 11, "minute": 31}
